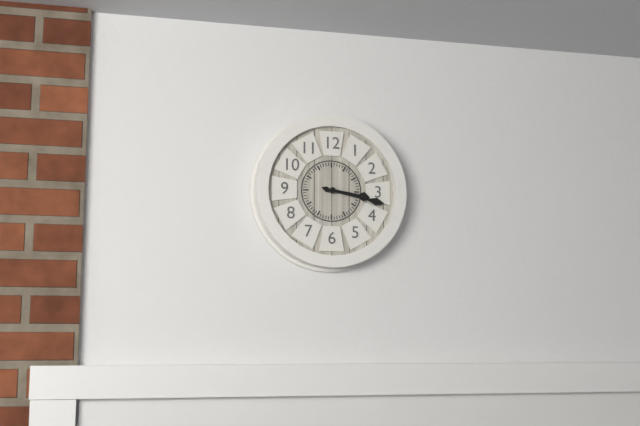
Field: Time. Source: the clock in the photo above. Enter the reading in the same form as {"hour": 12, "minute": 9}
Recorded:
{"hour": 3, "minute": 17}
